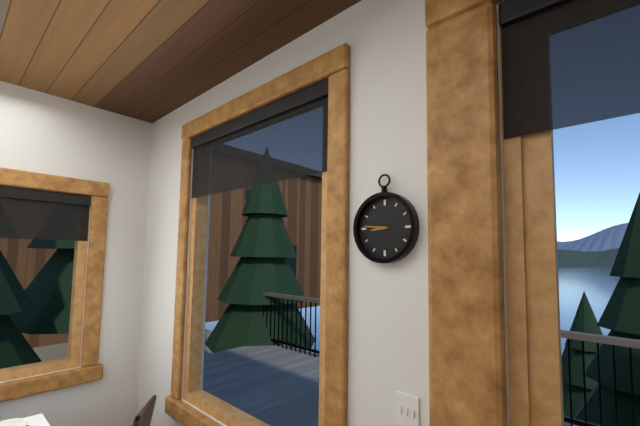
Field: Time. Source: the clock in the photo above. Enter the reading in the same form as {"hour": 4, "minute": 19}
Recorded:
{"hour": 8, "minute": 46}
